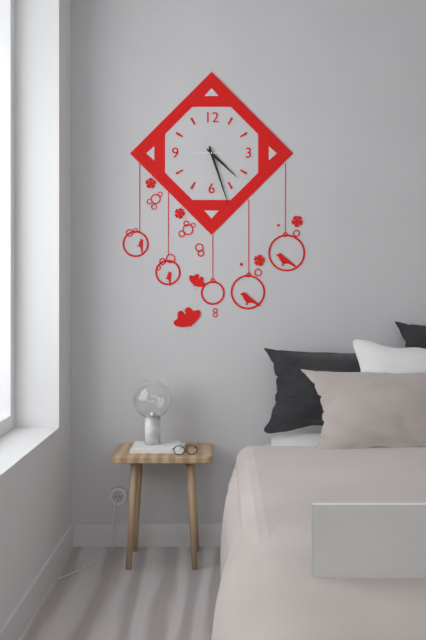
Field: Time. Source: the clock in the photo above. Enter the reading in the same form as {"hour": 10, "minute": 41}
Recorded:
{"hour": 4, "minute": 27}
